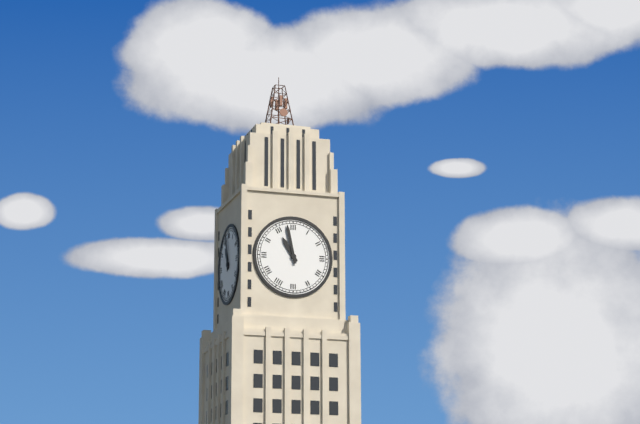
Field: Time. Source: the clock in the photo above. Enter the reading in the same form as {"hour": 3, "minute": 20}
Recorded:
{"hour": 10, "minute": 58}
